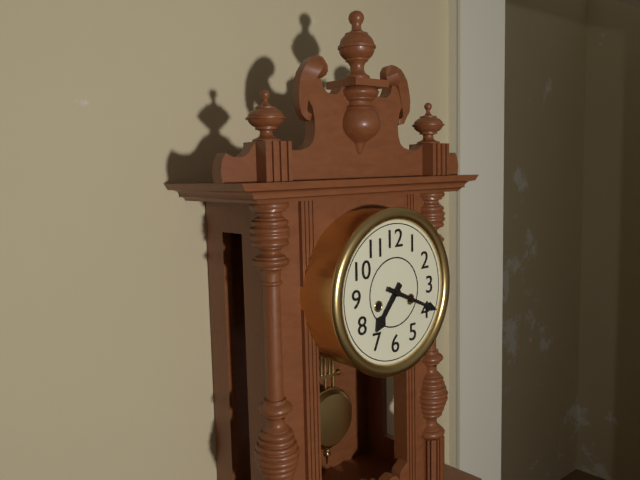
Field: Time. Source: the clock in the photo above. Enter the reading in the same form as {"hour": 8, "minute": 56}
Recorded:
{"hour": 7, "minute": 19}
